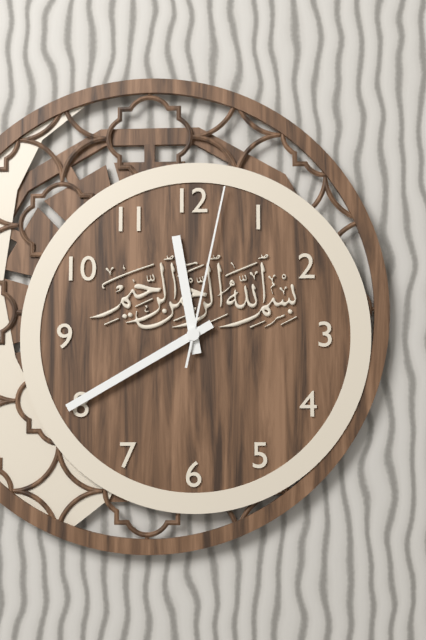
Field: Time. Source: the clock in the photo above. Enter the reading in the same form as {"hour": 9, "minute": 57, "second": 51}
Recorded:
{"hour": 11, "minute": 40, "second": 2}
